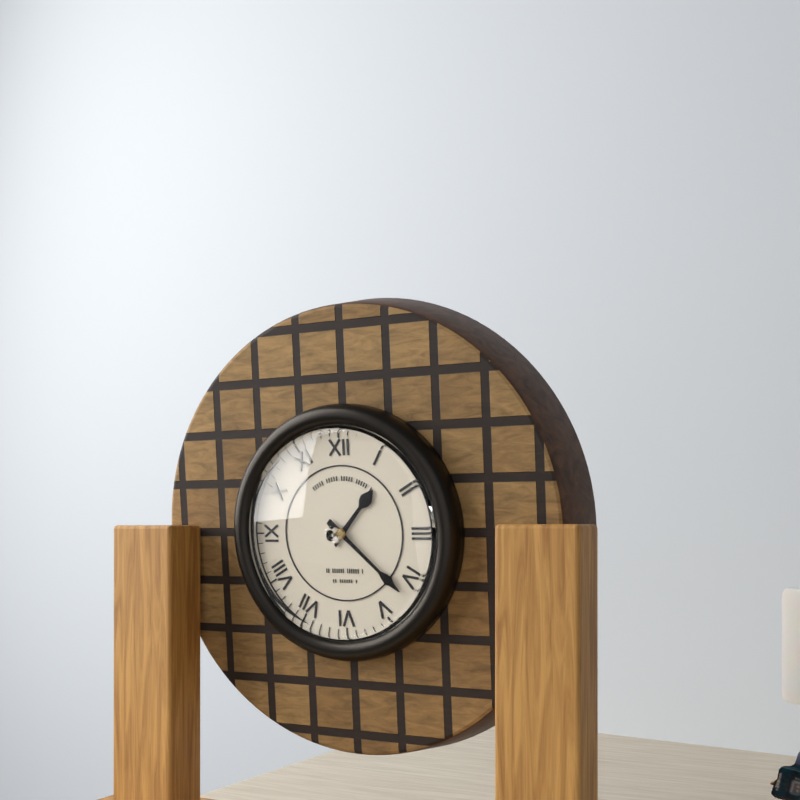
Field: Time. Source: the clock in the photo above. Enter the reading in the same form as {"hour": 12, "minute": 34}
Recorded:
{"hour": 1, "minute": 22}
